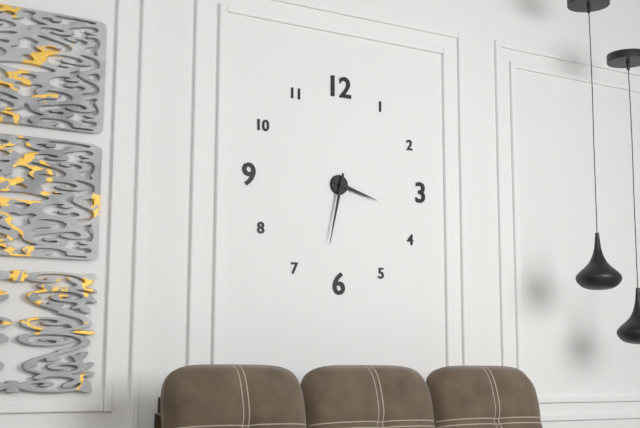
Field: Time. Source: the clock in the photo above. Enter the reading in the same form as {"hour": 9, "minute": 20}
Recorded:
{"hour": 3, "minute": 32}
